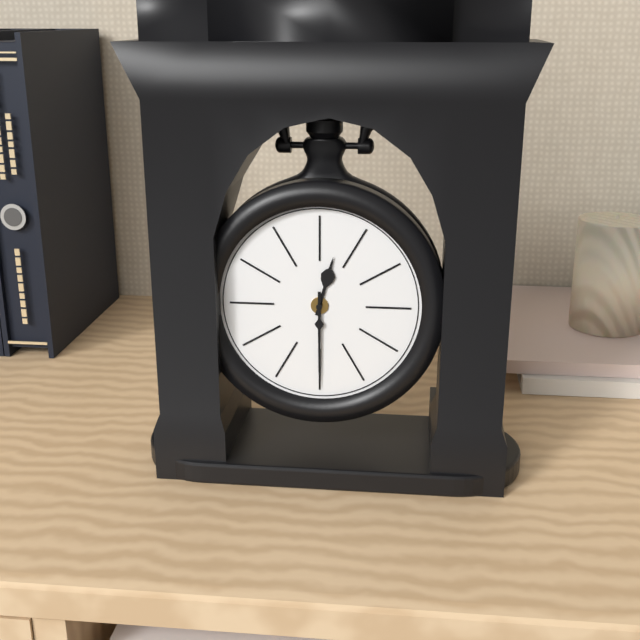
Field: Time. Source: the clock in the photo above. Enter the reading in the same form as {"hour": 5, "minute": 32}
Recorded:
{"hour": 12, "minute": 30}
